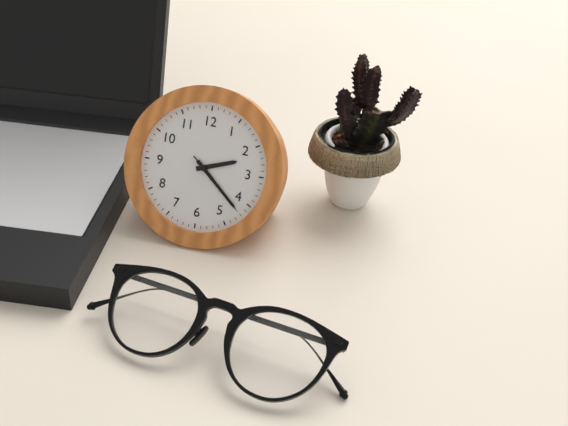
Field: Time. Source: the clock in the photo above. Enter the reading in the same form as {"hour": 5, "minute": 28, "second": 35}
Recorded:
{"hour": 2, "minute": 22, "second": 22}
